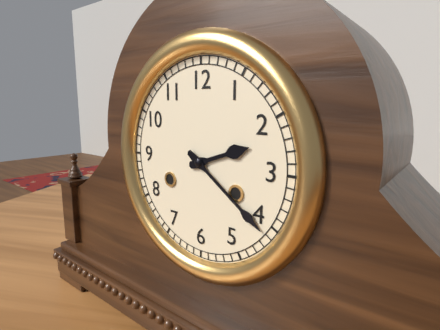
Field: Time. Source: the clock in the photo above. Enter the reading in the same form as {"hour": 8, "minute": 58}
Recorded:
{"hour": 2, "minute": 21}
